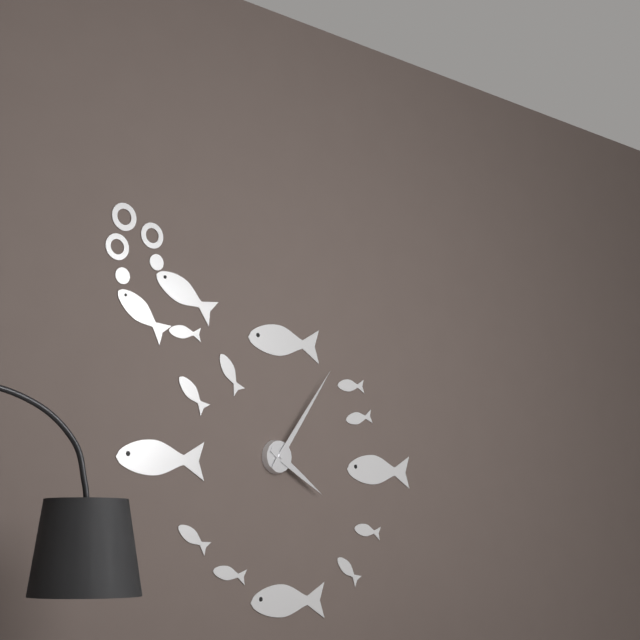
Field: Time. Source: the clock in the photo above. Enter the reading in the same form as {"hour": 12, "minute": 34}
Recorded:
{"hour": 4, "minute": 6}
